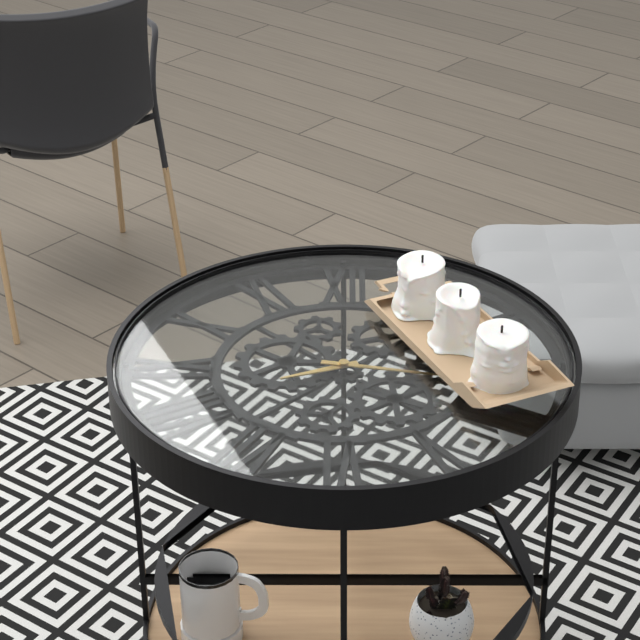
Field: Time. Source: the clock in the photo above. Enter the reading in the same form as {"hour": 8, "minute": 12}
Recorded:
{"hour": 8, "minute": 17}
